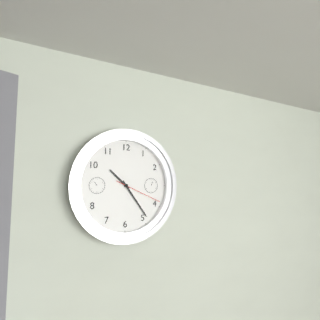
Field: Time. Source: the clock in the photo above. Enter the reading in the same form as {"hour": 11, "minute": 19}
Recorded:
{"hour": 10, "minute": 24}
